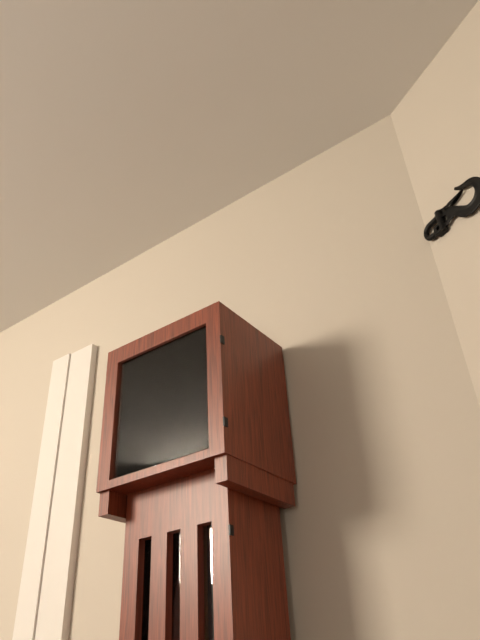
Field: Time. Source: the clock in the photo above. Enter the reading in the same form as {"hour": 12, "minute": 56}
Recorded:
{"hour": 11, "minute": 25}
